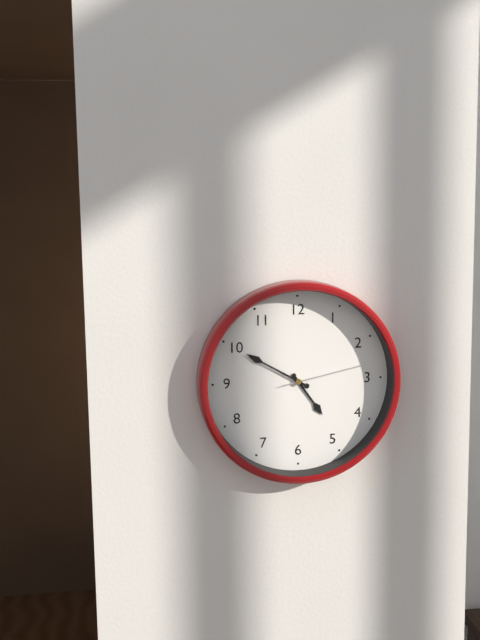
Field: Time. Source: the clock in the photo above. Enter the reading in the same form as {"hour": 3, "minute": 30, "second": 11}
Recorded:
{"hour": 4, "minute": 50, "second": 13}
